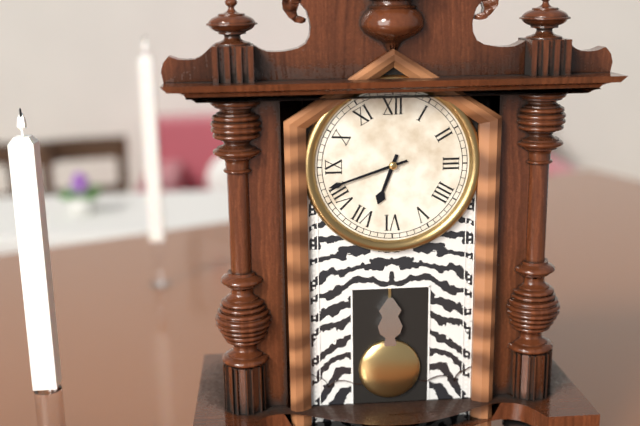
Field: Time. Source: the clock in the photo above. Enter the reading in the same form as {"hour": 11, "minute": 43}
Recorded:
{"hour": 6, "minute": 42}
